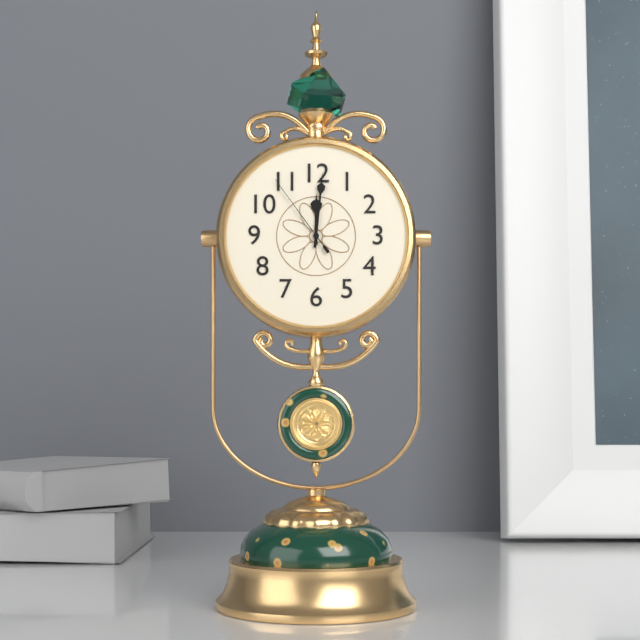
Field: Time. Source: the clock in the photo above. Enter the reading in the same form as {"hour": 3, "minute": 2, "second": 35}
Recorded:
{"hour": 12, "minute": 1, "second": 54}
